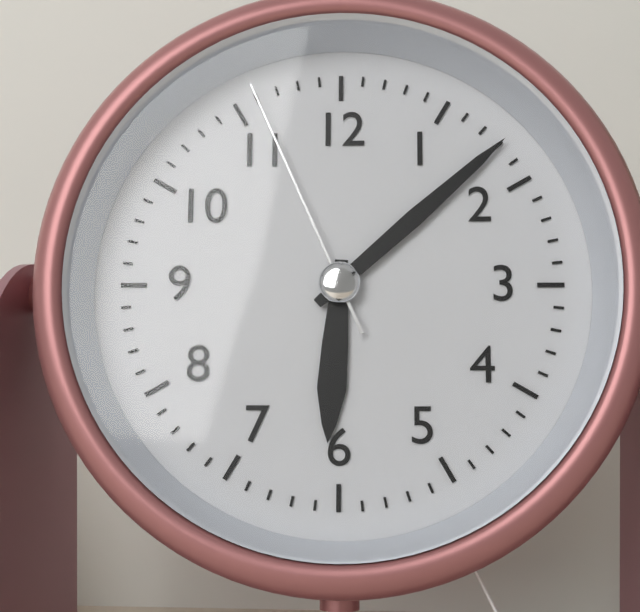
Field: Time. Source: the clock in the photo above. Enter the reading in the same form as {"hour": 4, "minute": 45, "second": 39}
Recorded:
{"hour": 6, "minute": 8, "second": 56}
